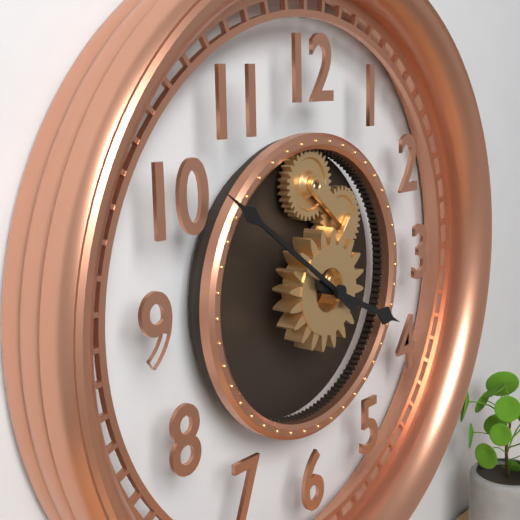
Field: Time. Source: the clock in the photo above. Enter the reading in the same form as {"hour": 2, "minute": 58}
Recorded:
{"hour": 3, "minute": 51}
